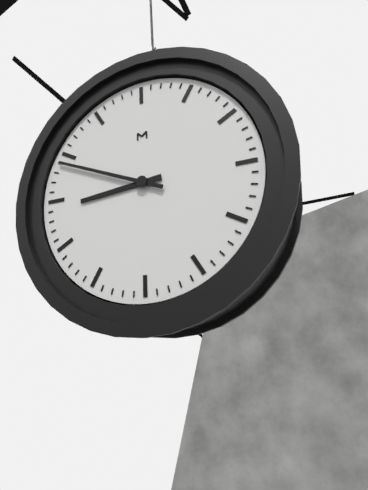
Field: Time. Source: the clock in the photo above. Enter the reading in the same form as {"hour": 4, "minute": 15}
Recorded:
{"hour": 8, "minute": 49}
